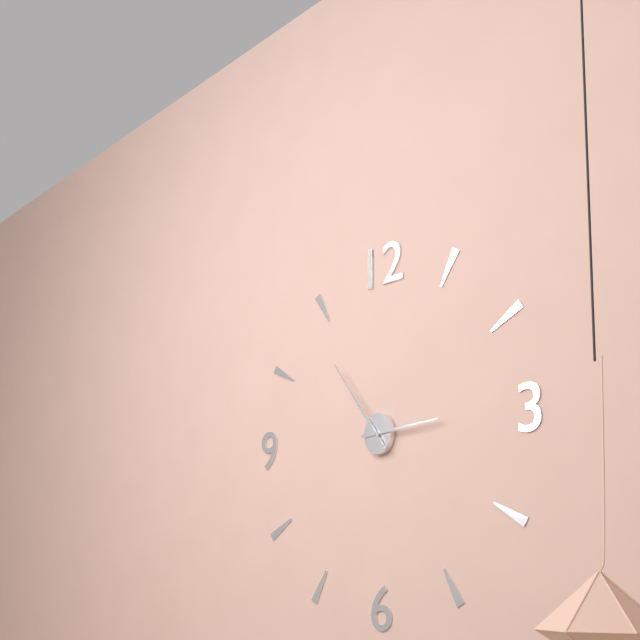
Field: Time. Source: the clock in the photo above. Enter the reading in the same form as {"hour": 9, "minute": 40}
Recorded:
{"hour": 2, "minute": 54}
